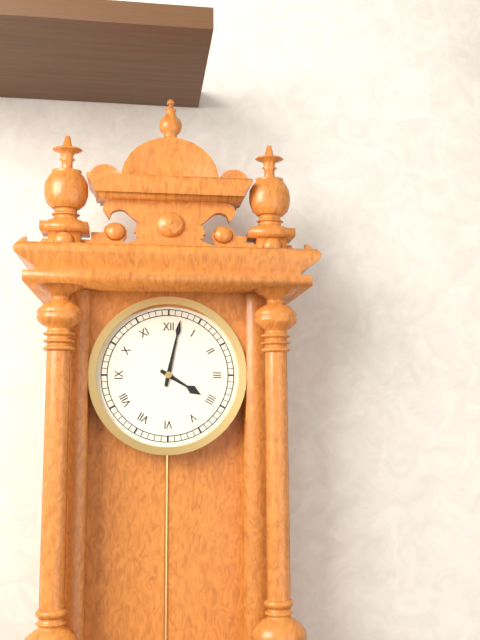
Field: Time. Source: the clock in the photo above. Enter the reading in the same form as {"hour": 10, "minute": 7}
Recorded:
{"hour": 4, "minute": 2}
